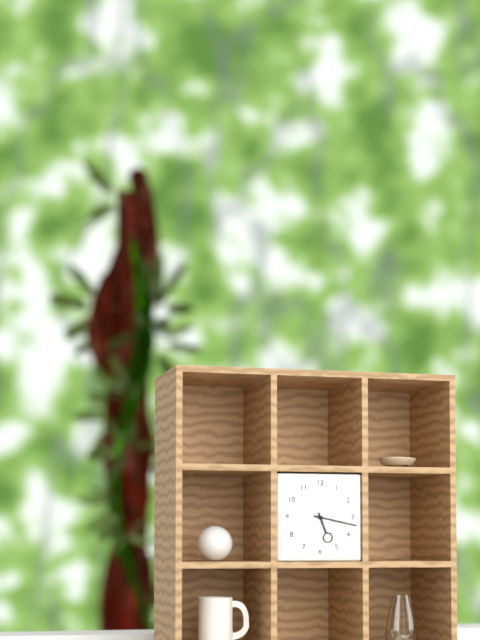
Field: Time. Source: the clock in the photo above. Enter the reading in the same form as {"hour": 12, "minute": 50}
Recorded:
{"hour": 5, "minute": 17}
